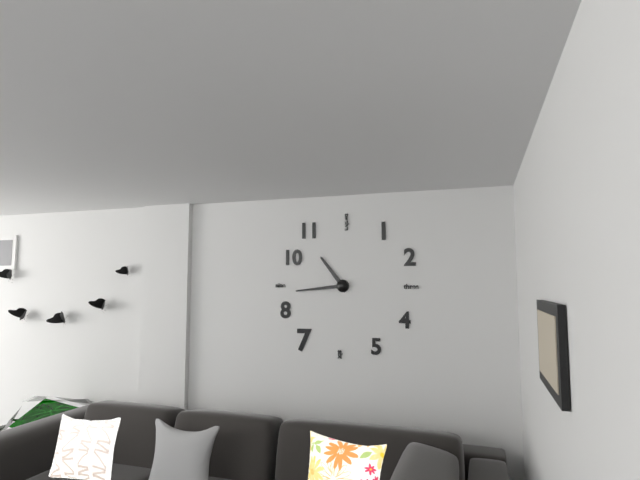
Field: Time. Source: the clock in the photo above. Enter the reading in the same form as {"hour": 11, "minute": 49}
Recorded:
{"hour": 10, "minute": 44}
